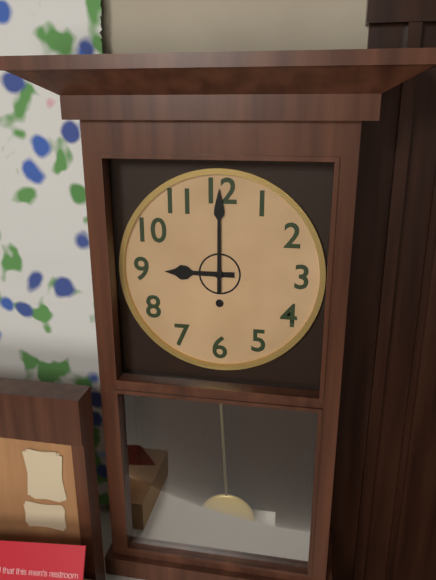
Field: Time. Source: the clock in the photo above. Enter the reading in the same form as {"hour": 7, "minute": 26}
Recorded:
{"hour": 9, "minute": 0}
